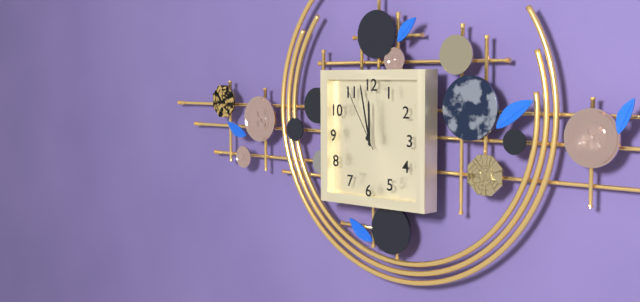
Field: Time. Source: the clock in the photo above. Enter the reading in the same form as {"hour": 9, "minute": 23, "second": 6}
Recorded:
{"hour": 11, "minute": 58, "second": 55}
